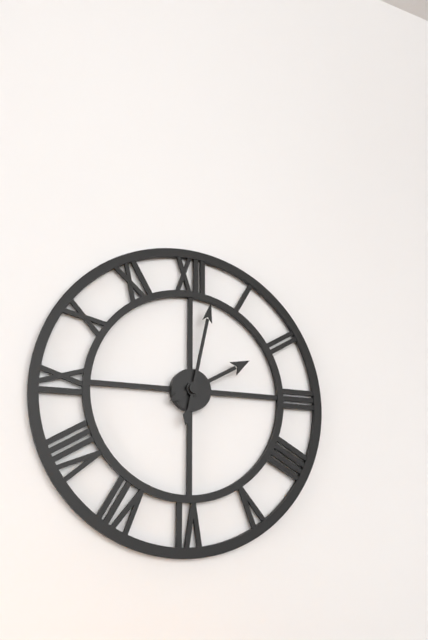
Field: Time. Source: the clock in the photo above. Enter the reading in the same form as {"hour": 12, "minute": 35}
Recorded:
{"hour": 2, "minute": 2}
